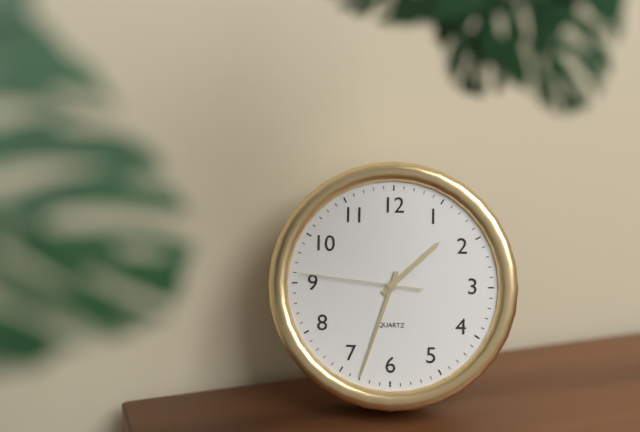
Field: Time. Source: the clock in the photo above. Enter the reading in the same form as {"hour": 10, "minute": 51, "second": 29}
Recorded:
{"hour": 1, "minute": 33, "second": 46}
